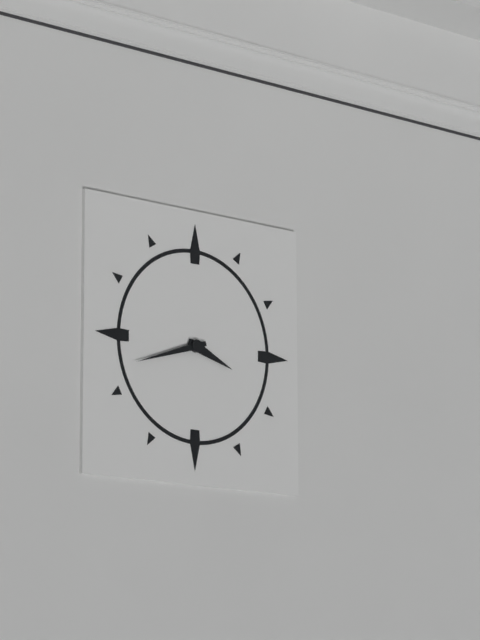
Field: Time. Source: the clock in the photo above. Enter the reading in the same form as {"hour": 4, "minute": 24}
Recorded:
{"hour": 3, "minute": 42}
